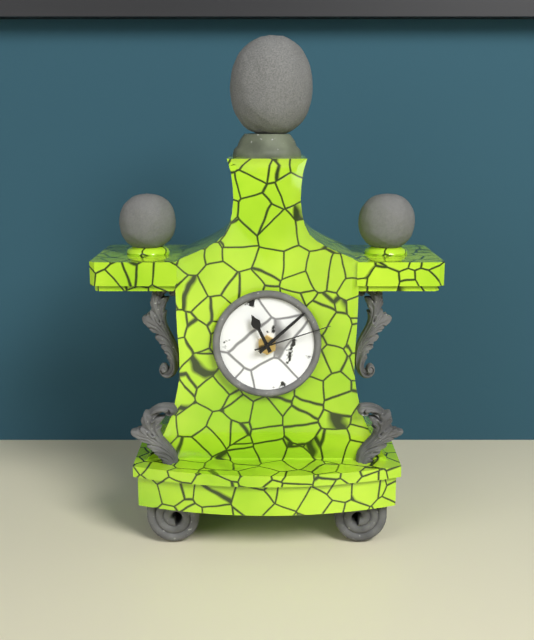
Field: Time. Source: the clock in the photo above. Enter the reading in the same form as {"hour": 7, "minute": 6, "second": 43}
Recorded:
{"hour": 11, "minute": 8, "second": 12}
